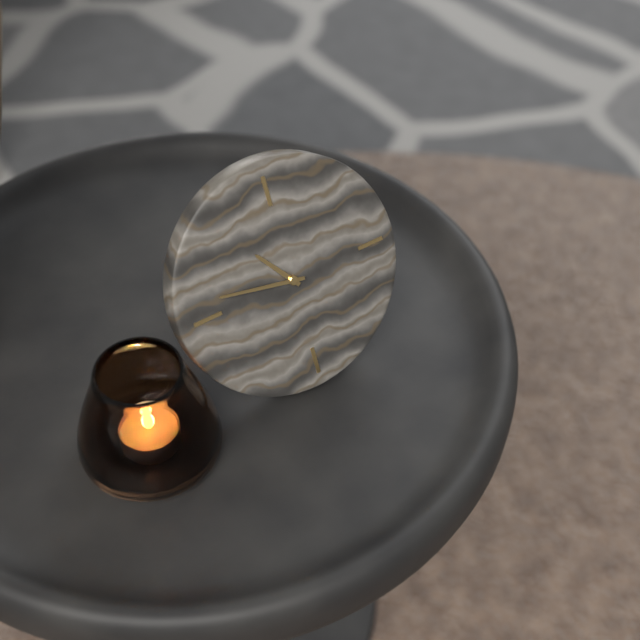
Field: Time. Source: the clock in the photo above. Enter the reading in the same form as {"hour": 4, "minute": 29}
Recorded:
{"hour": 10, "minute": 47}
